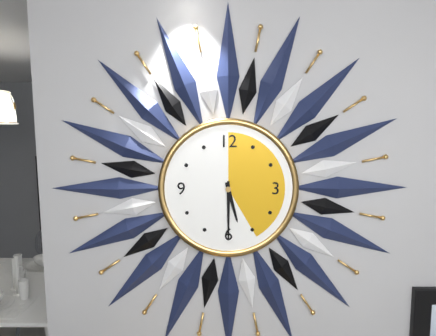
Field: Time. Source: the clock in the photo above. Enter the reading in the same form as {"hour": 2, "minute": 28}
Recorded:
{"hour": 5, "minute": 30}
